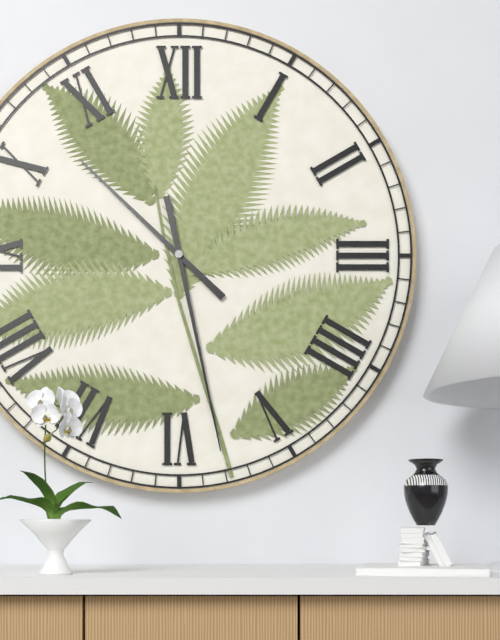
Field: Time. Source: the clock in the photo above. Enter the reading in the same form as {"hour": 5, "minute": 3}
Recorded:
{"hour": 10, "minute": 28}
